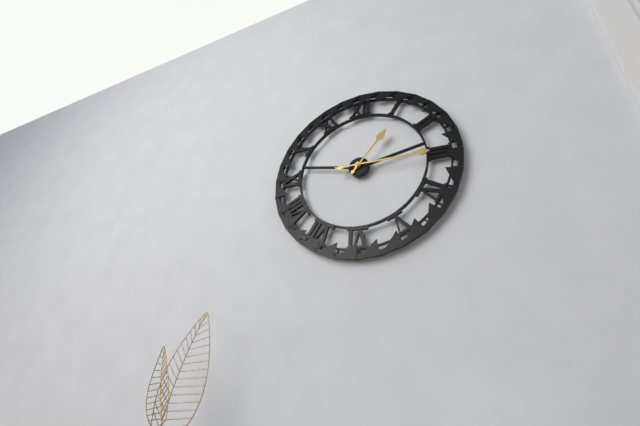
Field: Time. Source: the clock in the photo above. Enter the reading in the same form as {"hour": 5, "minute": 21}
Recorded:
{"hour": 1, "minute": 15}
